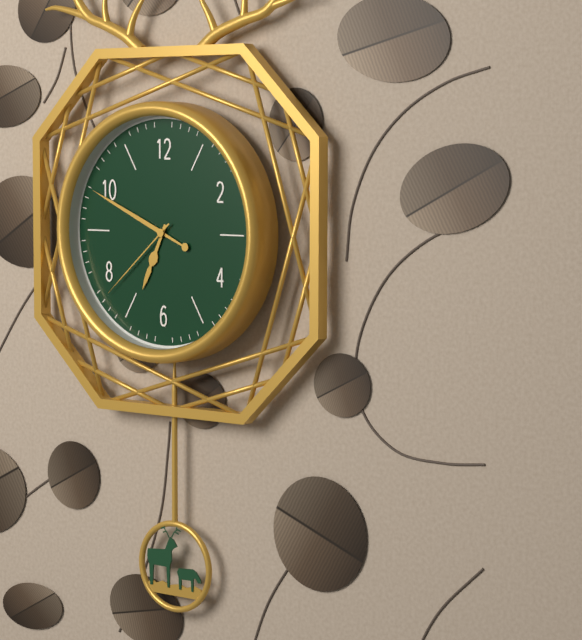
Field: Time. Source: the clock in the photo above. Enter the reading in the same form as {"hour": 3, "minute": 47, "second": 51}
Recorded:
{"hour": 6, "minute": 49, "second": 38}
